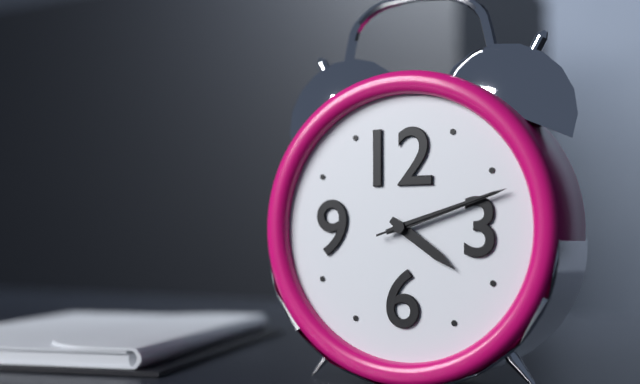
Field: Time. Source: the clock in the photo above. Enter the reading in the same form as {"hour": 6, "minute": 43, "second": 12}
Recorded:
{"hour": 4, "minute": 12, "second": 12}
